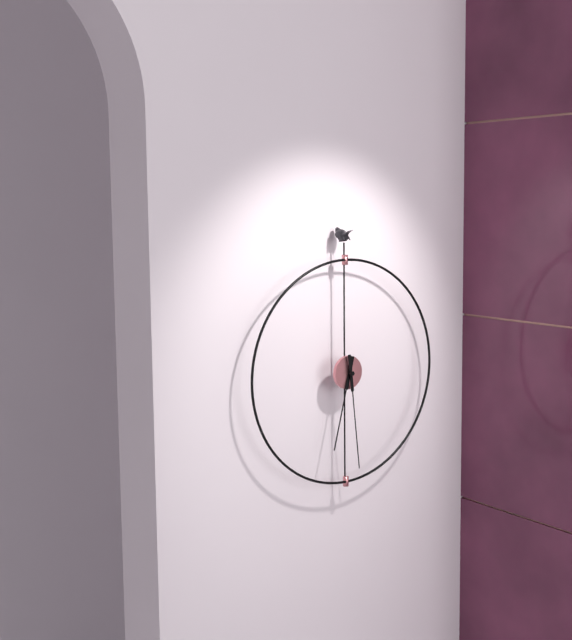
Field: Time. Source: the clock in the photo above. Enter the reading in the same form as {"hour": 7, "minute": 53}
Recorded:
{"hour": 6, "minute": 29}
